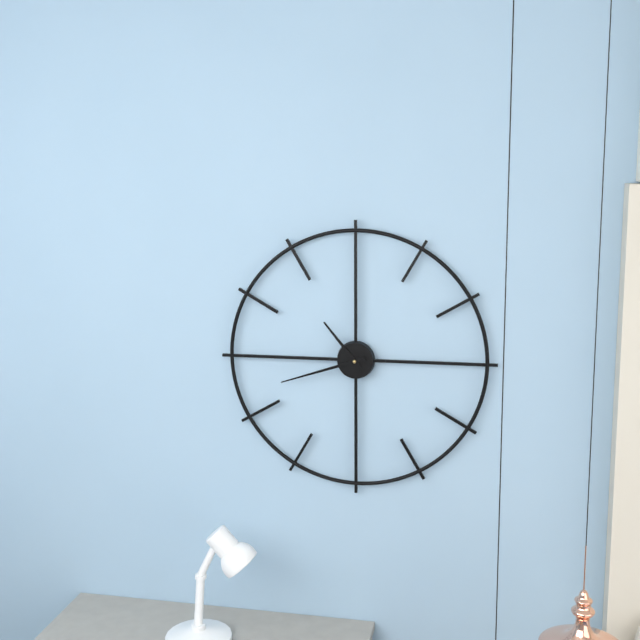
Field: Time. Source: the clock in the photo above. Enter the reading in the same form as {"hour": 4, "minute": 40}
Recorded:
{"hour": 10, "minute": 42}
